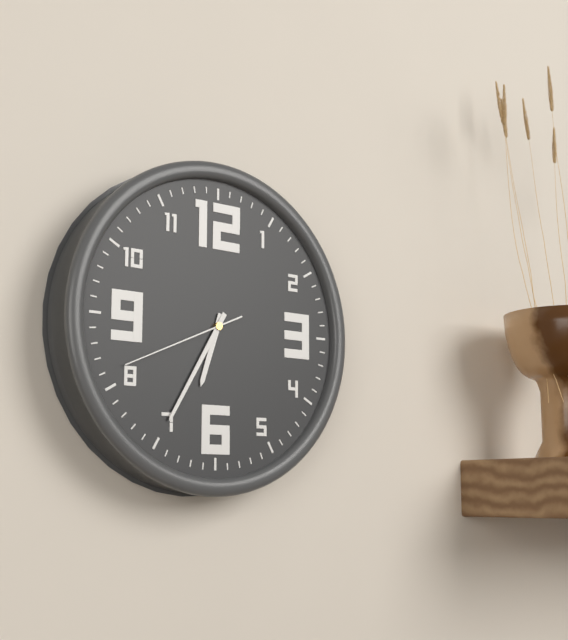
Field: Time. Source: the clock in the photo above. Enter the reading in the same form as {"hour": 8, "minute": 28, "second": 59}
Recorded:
{"hour": 6, "minute": 35, "second": 41}
